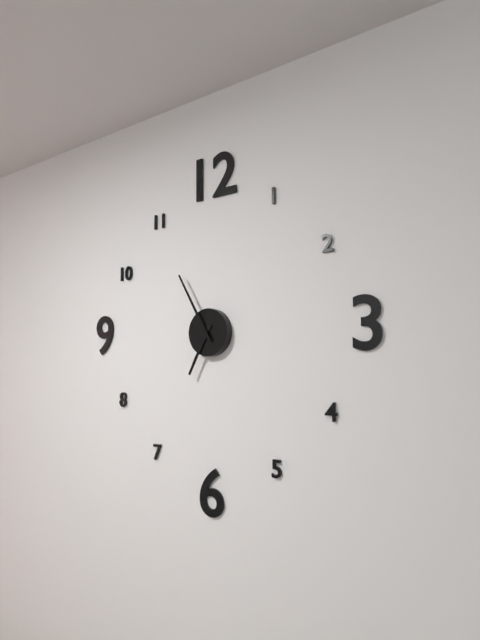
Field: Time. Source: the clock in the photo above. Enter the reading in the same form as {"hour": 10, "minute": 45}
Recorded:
{"hour": 6, "minute": 55}
